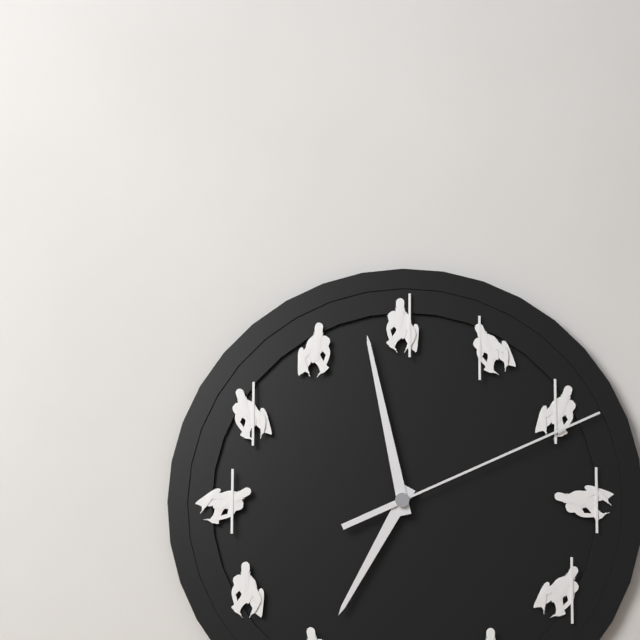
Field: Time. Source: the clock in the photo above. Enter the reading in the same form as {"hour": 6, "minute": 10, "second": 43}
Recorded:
{"hour": 6, "minute": 58, "second": 11}
